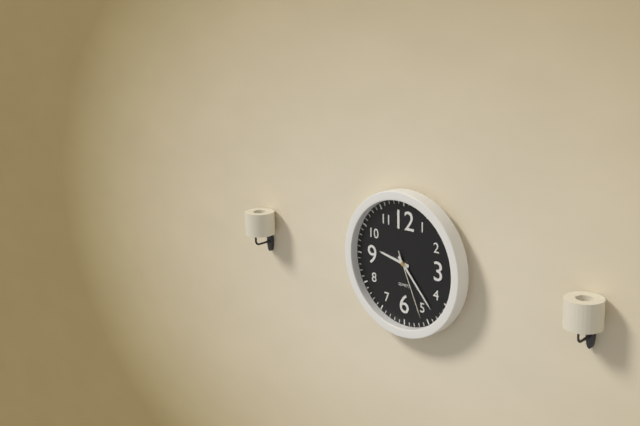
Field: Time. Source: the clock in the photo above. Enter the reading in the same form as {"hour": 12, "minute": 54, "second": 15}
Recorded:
{"hour": 9, "minute": 23, "second": 26}
